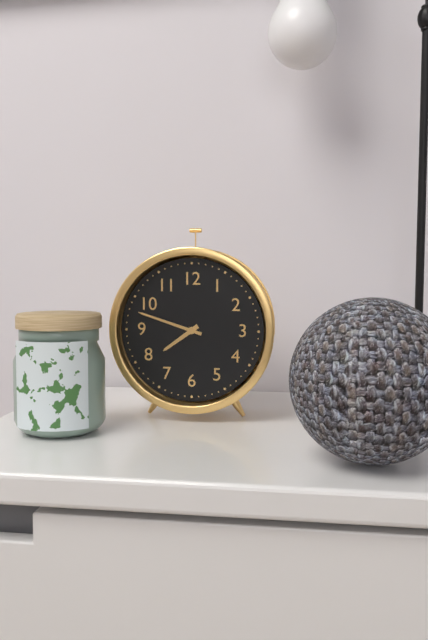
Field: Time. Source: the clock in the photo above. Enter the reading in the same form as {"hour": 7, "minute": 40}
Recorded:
{"hour": 7, "minute": 48}
